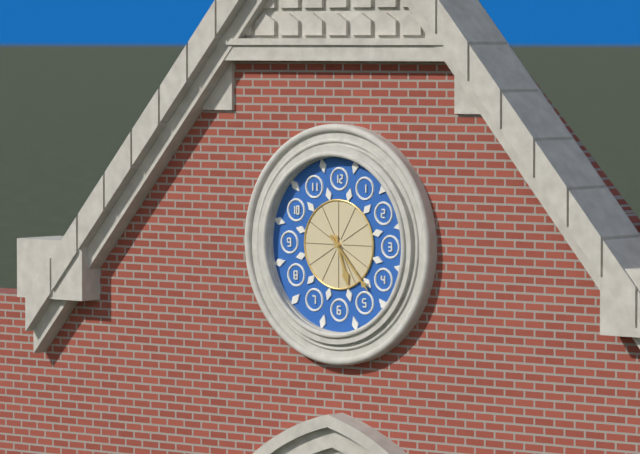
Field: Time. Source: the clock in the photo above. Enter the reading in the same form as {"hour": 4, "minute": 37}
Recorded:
{"hour": 5, "minute": 23}
